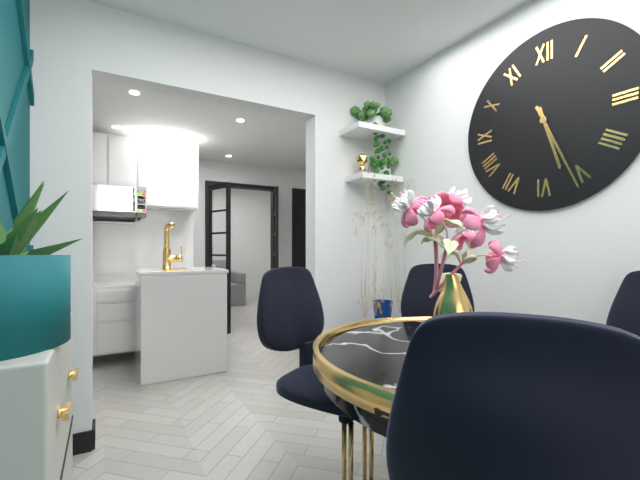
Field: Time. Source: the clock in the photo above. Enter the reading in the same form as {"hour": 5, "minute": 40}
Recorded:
{"hour": 5, "minute": 26}
